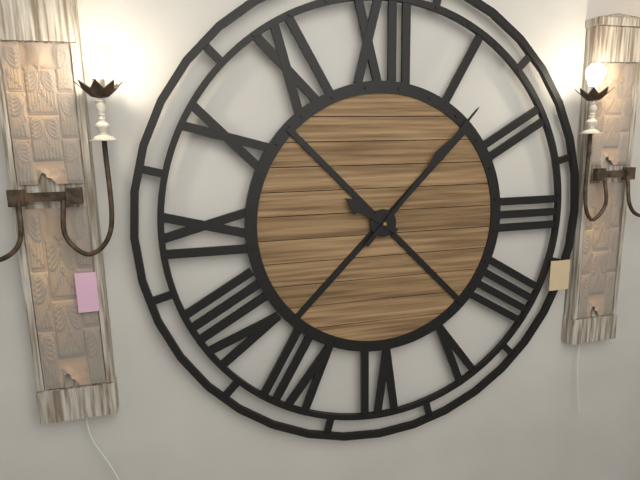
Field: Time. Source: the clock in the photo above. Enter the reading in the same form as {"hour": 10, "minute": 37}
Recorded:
{"hour": 10, "minute": 7}
